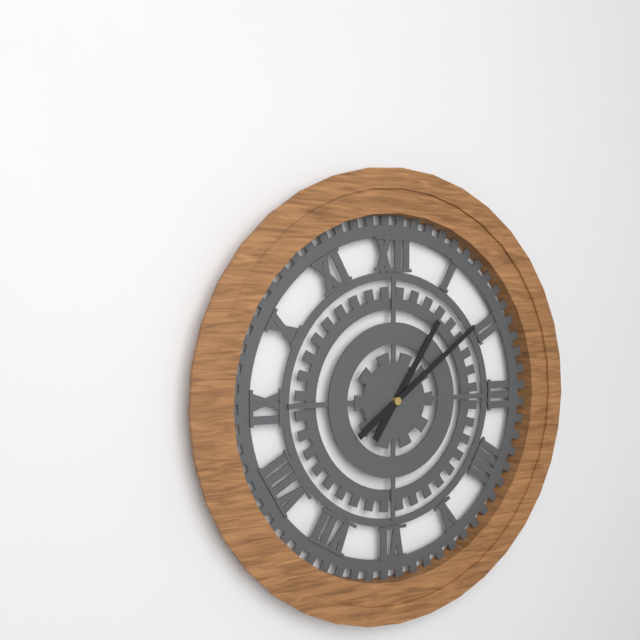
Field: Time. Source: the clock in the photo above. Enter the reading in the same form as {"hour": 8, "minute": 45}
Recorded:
{"hour": 1, "minute": 9}
